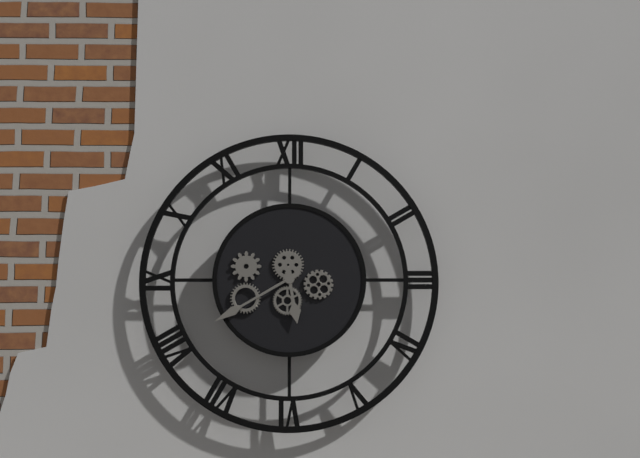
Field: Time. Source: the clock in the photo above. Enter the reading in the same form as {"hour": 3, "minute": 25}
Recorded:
{"hour": 5, "minute": 40}
